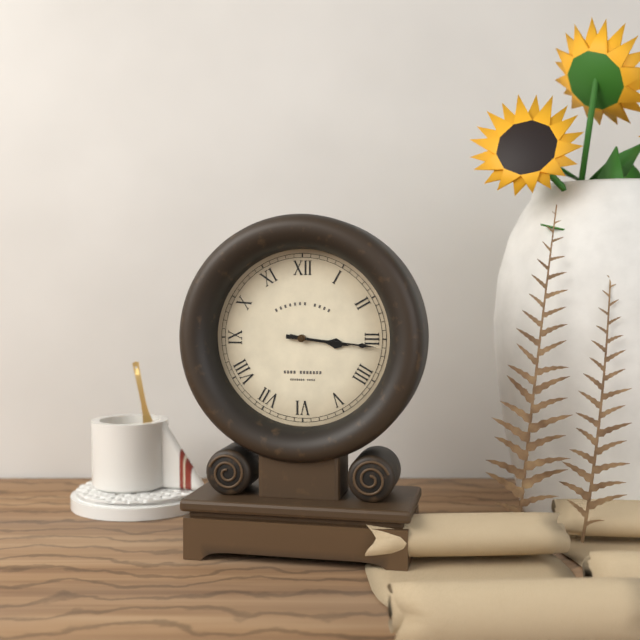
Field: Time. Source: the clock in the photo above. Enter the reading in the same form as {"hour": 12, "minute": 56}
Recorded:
{"hour": 3, "minute": 16}
